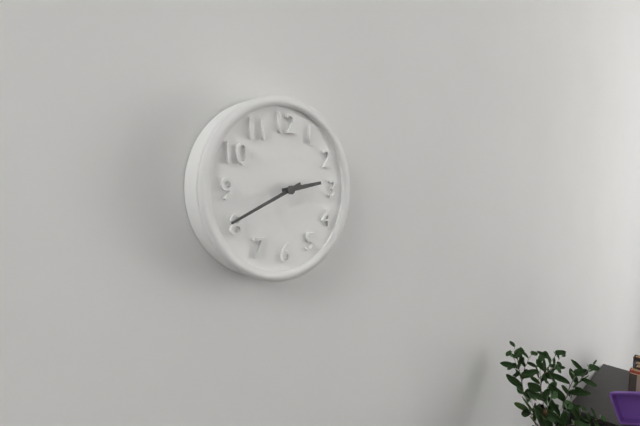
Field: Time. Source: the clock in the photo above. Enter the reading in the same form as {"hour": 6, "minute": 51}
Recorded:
{"hour": 2, "minute": 41}
